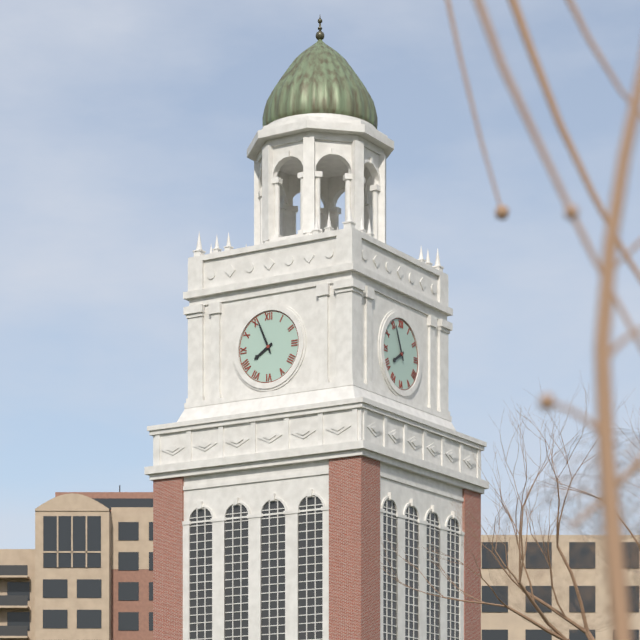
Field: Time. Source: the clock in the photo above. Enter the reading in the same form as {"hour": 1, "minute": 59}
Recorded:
{"hour": 7, "minute": 56}
